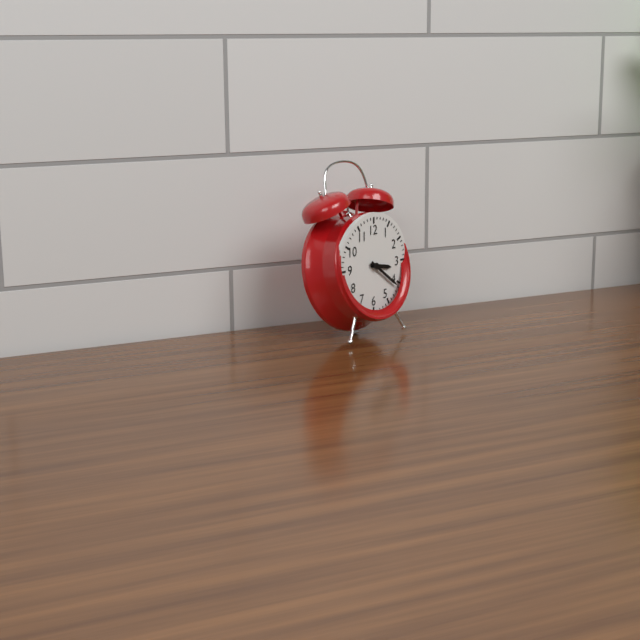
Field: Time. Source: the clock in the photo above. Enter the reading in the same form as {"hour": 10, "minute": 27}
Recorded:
{"hour": 3, "minute": 21}
